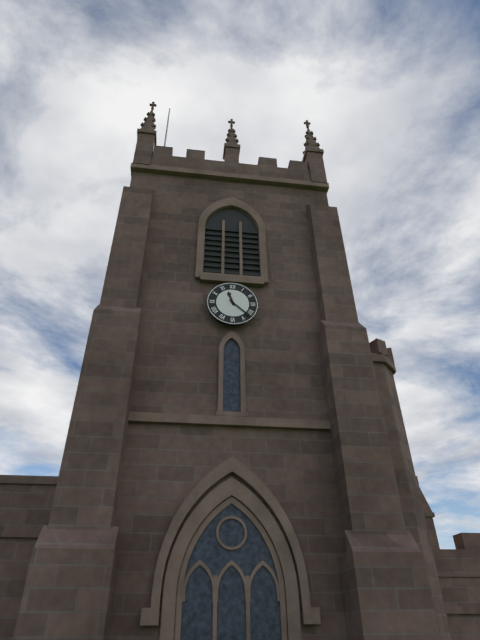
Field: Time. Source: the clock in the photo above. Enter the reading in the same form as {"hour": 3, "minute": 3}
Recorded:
{"hour": 11, "minute": 22}
